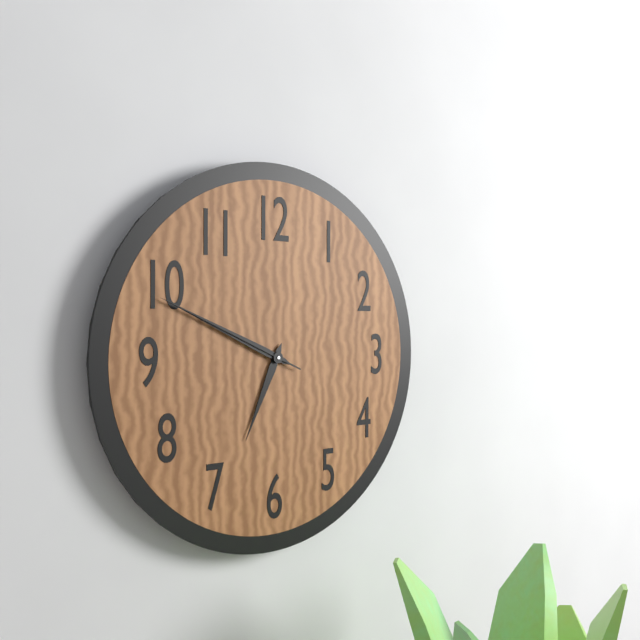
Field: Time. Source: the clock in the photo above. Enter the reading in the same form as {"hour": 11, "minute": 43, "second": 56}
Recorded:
{"hour": 6, "minute": 49, "second": 49}
